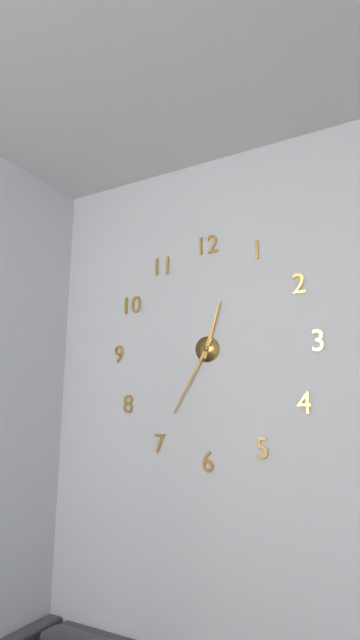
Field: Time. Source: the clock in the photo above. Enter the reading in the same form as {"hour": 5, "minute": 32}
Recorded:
{"hour": 12, "minute": 35}
